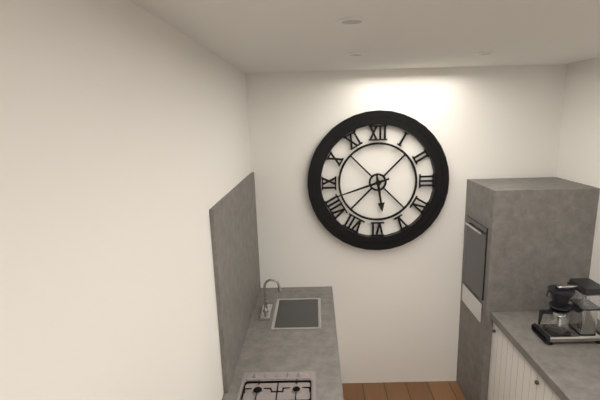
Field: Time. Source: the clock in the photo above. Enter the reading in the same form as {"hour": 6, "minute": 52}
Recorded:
{"hour": 5, "minute": 42}
